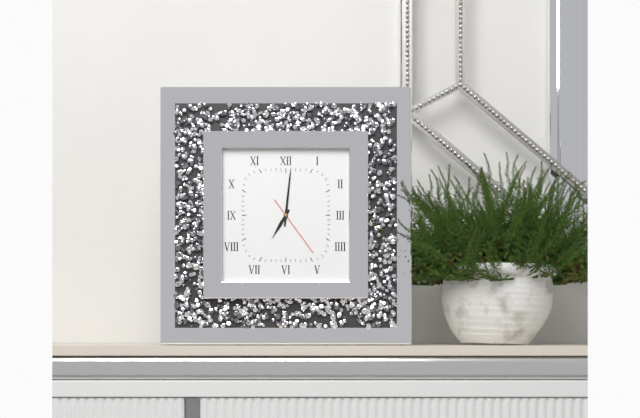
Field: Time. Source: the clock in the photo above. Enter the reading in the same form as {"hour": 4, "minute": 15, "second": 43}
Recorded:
{"hour": 7, "minute": 1, "second": 24}
